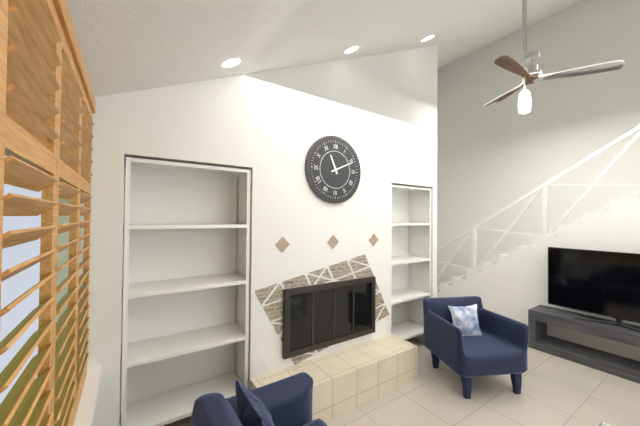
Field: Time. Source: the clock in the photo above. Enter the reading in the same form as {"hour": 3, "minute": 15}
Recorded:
{"hour": 11, "minute": 11}
